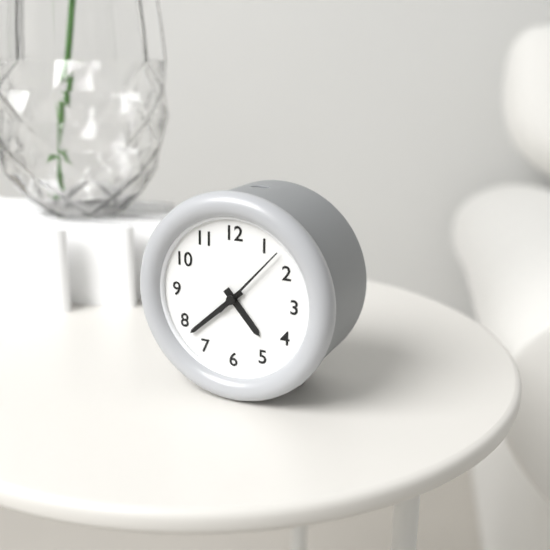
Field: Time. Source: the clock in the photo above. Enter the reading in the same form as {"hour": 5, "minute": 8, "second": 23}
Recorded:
{"hour": 4, "minute": 38, "second": 7}
